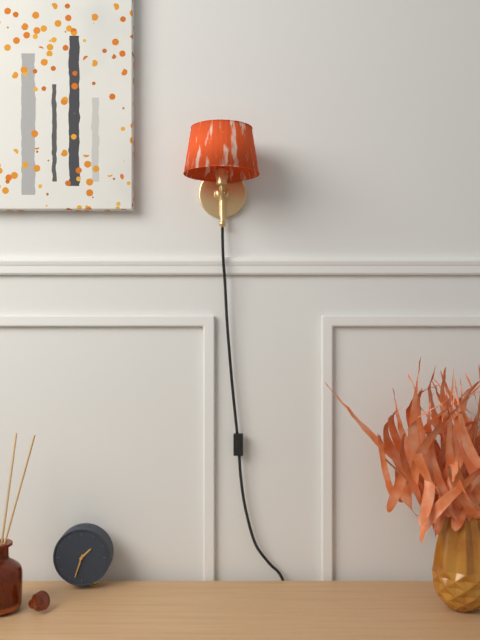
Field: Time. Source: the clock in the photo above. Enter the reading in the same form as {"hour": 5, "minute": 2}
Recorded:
{"hour": 1, "minute": 33}
